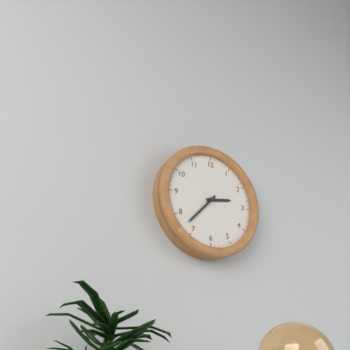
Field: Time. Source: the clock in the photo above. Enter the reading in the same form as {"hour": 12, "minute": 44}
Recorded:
{"hour": 2, "minute": 37}
